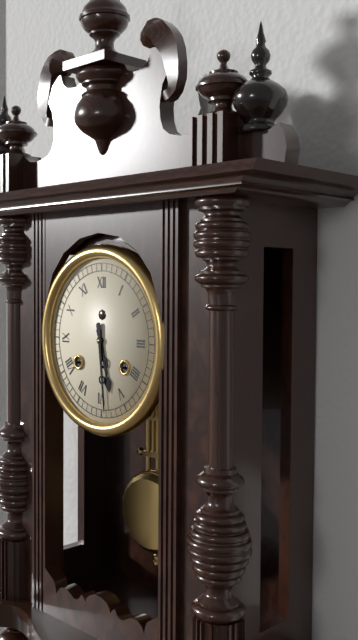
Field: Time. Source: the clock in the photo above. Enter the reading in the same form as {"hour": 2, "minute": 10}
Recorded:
{"hour": 5, "minute": 29}
